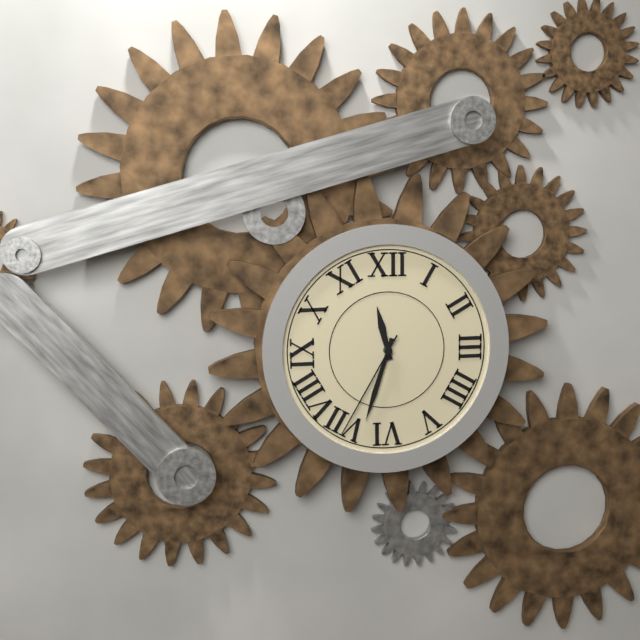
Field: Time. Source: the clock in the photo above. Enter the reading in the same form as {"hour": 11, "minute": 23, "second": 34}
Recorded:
{"hour": 11, "minute": 33, "second": 35}
